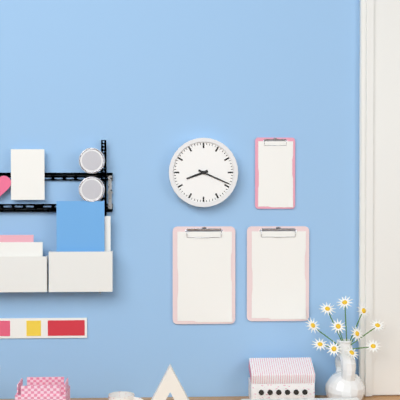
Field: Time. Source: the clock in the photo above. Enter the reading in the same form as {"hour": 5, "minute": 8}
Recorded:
{"hour": 8, "minute": 19}
